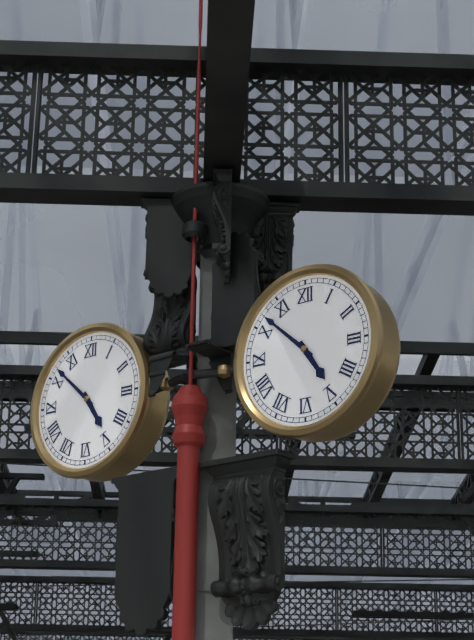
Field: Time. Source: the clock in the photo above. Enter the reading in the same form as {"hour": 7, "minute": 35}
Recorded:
{"hour": 4, "minute": 52}
